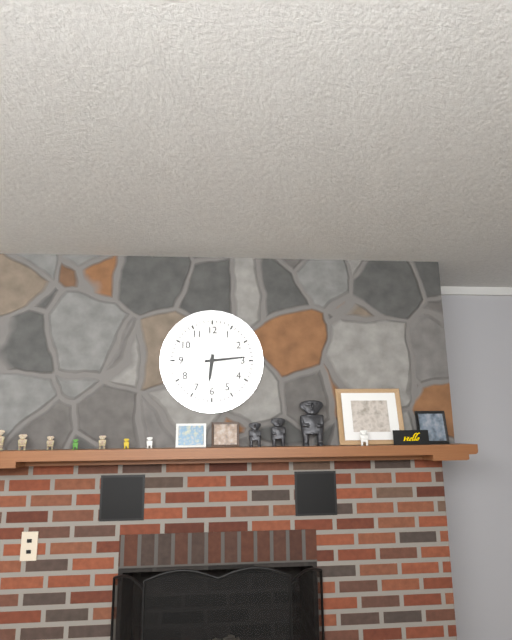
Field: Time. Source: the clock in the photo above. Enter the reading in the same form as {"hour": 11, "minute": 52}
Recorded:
{"hour": 6, "minute": 14}
